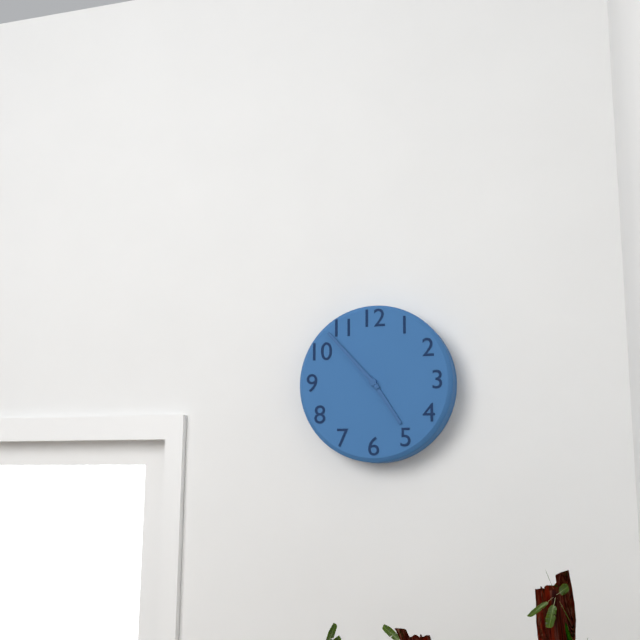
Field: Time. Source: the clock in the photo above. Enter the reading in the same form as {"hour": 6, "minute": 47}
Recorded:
{"hour": 4, "minute": 53}
